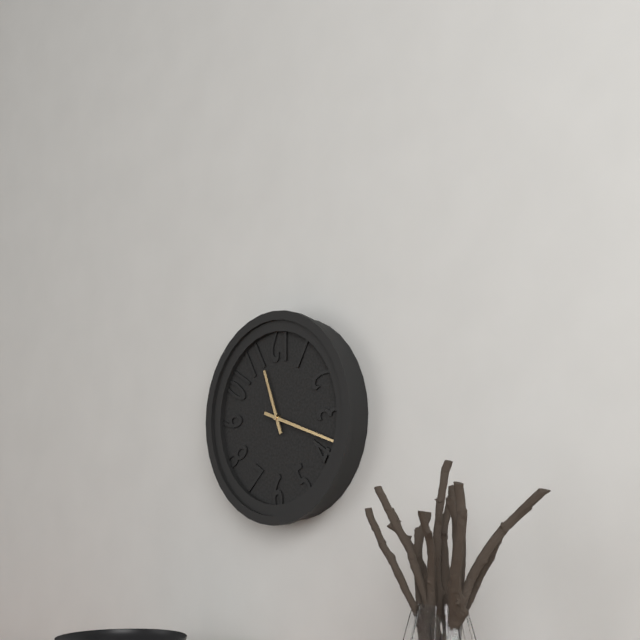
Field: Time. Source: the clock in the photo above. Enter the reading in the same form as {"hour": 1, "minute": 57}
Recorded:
{"hour": 11, "minute": 18}
